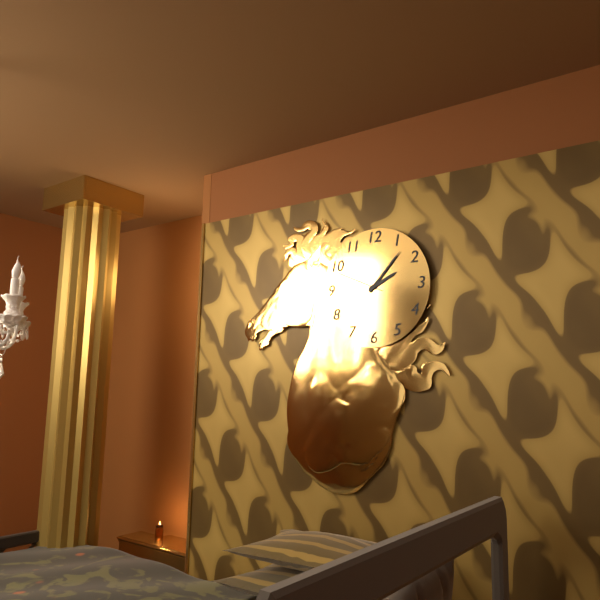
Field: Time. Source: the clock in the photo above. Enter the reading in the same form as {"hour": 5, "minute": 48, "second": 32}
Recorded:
{"hour": 2, "minute": 7, "second": 49}
